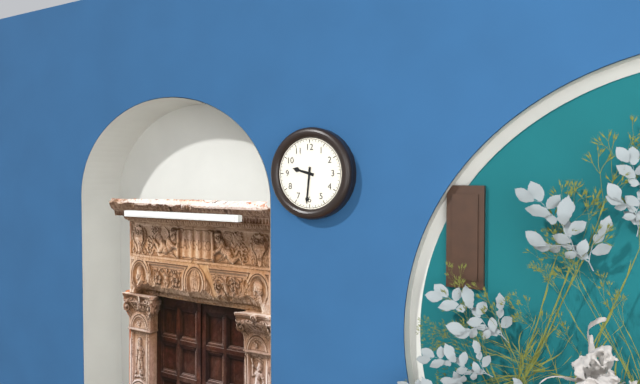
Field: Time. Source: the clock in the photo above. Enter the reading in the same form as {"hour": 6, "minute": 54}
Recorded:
{"hour": 9, "minute": 31}
